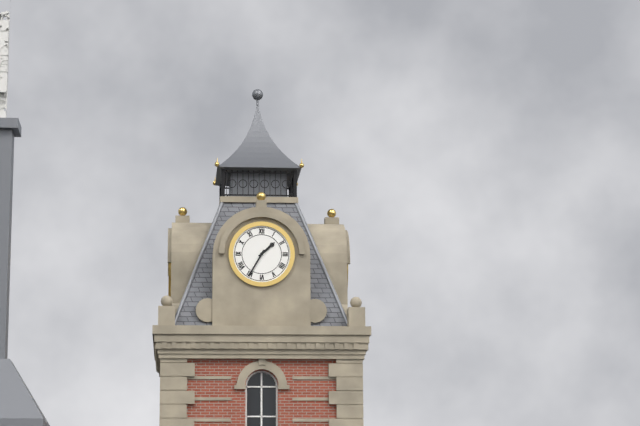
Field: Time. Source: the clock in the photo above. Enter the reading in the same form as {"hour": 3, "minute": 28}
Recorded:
{"hour": 1, "minute": 35}
